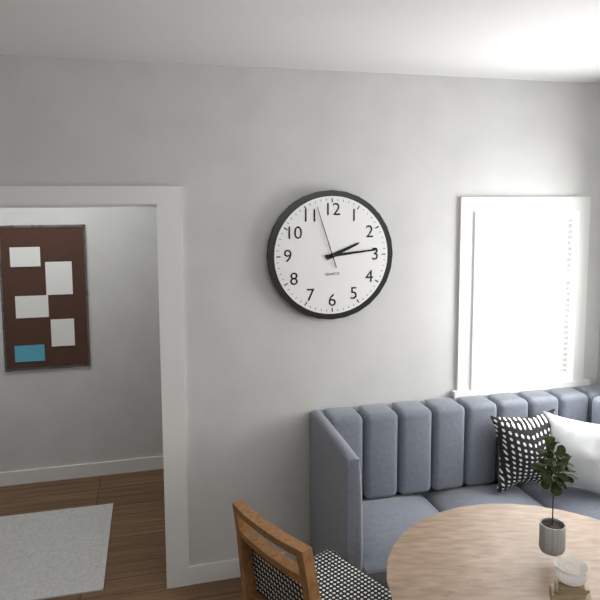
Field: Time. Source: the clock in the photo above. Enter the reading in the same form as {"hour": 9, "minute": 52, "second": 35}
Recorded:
{"hour": 2, "minute": 14, "second": 57}
